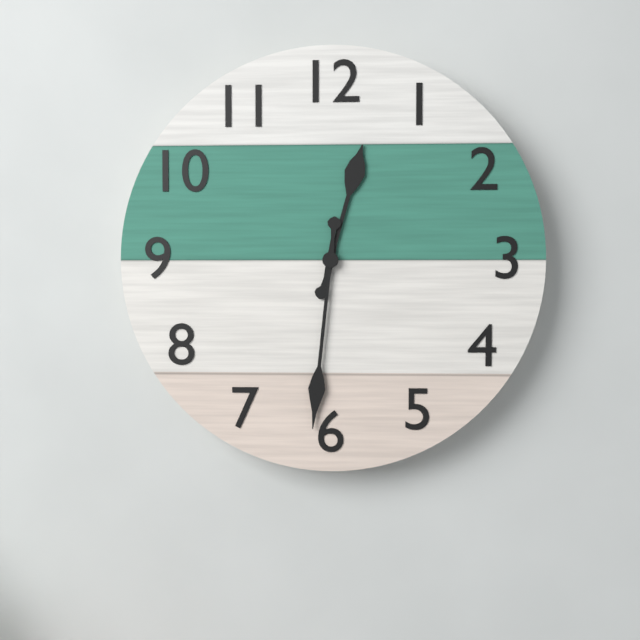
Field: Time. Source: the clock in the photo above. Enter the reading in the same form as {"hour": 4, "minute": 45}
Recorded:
{"hour": 12, "minute": 31}
